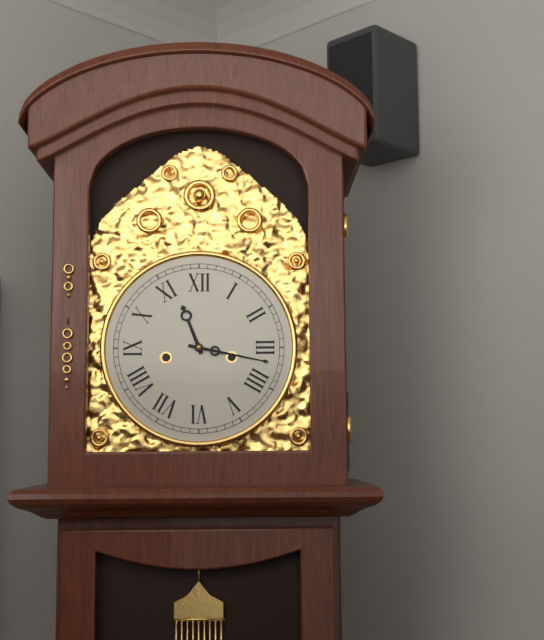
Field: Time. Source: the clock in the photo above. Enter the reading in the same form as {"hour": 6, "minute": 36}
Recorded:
{"hour": 11, "minute": 17}
